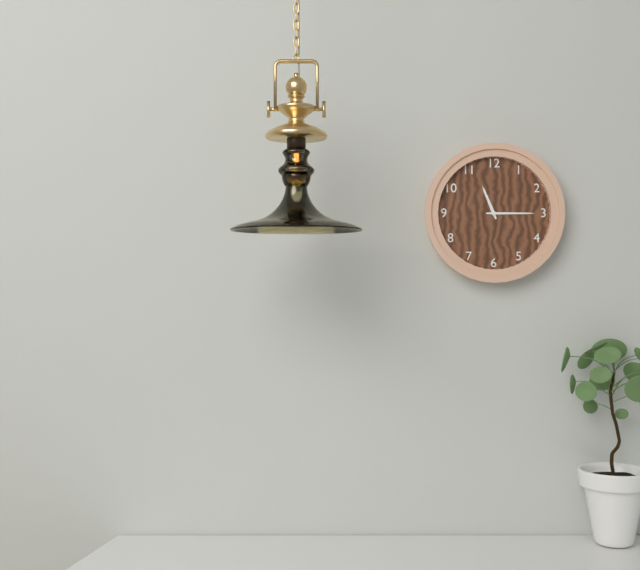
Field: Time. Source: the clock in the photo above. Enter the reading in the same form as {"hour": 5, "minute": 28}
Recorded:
{"hour": 11, "minute": 15}
